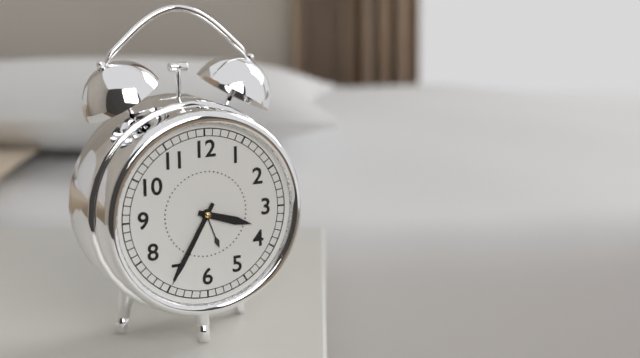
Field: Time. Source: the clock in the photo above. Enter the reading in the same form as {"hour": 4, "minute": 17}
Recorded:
{"hour": 3, "minute": 35}
